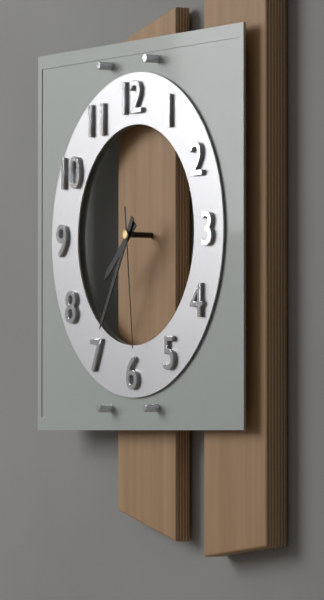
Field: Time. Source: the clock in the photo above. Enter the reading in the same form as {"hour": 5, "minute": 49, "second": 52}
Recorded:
{"hour": 7, "minute": 35, "second": 29}
